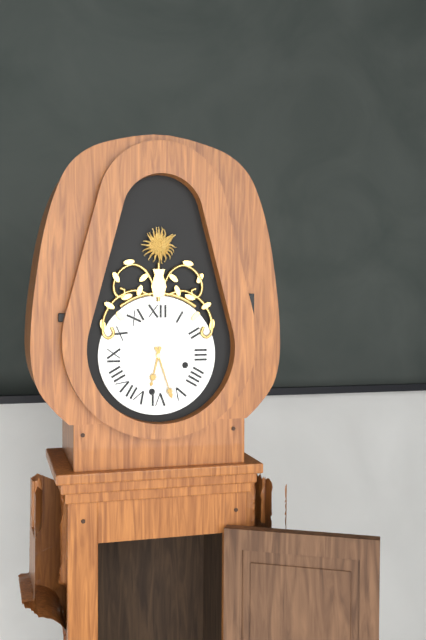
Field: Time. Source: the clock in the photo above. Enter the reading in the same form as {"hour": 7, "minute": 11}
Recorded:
{"hour": 6, "minute": 27}
